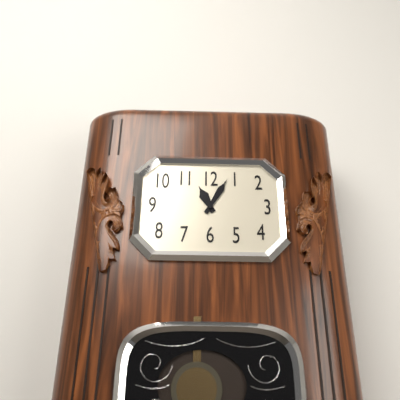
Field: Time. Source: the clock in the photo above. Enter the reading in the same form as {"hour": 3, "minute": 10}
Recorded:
{"hour": 11, "minute": 5}
